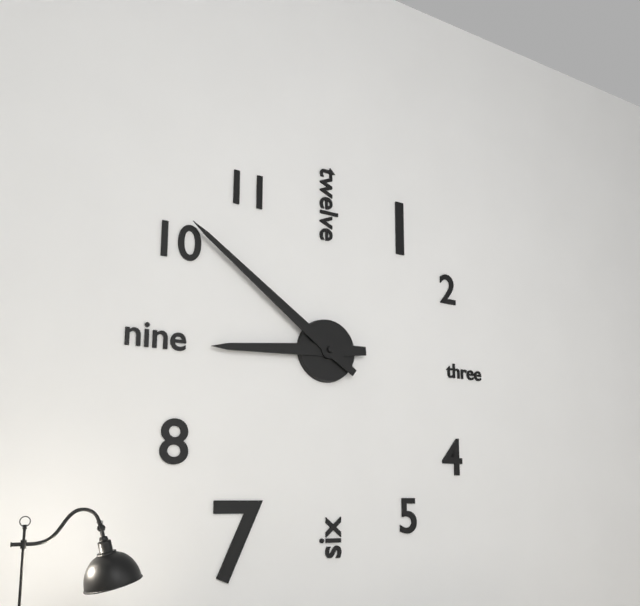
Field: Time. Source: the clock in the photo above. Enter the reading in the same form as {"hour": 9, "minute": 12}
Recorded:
{"hour": 8, "minute": 51}
